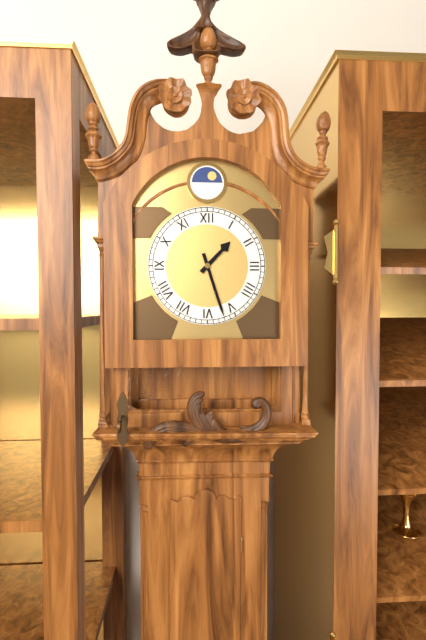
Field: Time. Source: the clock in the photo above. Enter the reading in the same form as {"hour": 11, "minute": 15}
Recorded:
{"hour": 1, "minute": 27}
